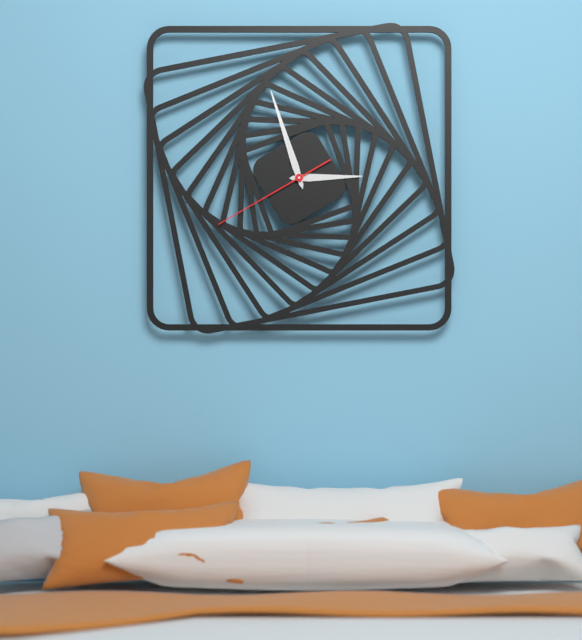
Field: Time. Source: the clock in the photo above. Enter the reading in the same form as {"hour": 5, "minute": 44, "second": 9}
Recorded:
{"hour": 2, "minute": 57, "second": 40}
